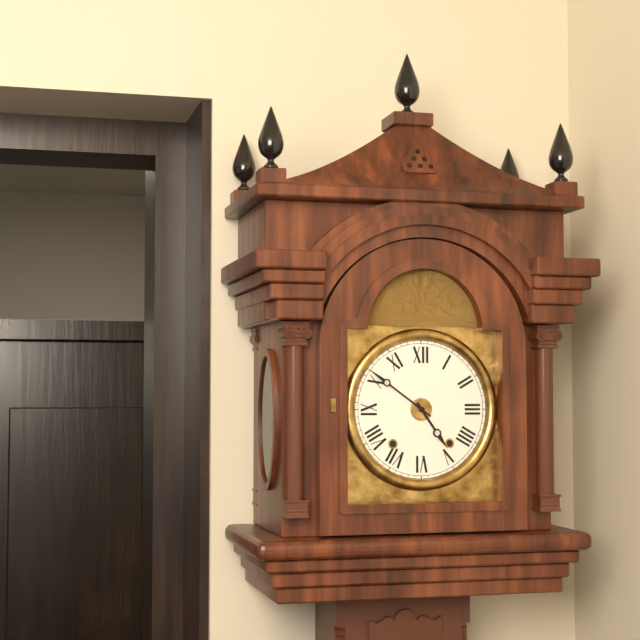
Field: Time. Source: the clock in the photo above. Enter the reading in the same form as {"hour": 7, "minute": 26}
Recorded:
{"hour": 4, "minute": 51}
